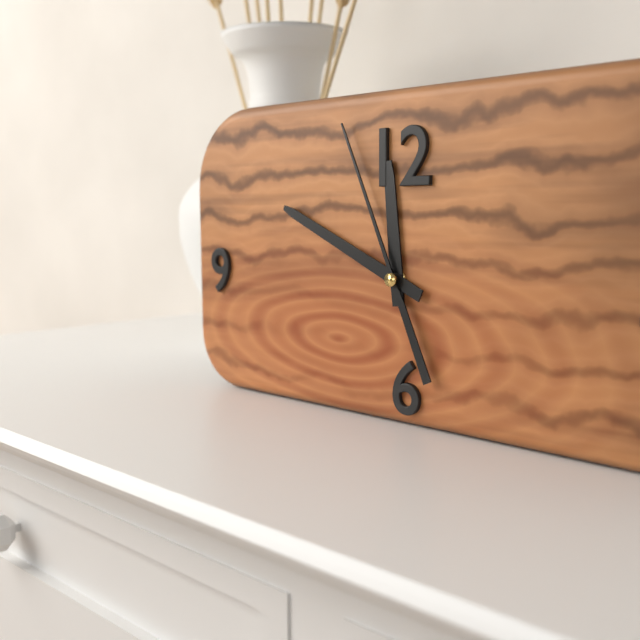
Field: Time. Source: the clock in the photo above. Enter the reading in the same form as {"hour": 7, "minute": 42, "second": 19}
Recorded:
{"hour": 11, "minute": 49, "second": 56}
